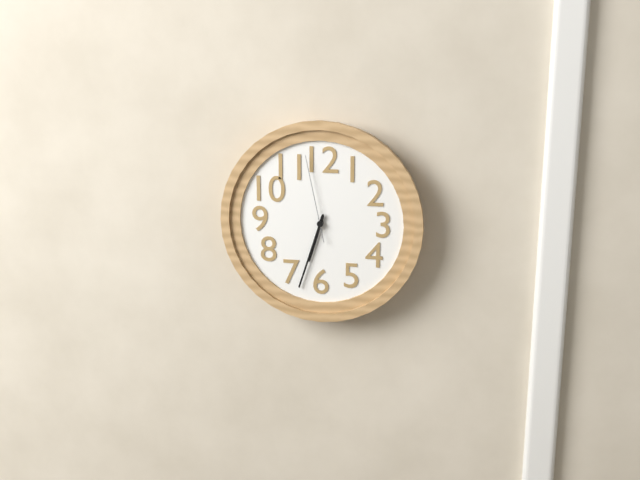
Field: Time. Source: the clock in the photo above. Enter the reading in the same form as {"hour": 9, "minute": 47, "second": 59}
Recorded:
{"hour": 6, "minute": 33, "second": 58}
